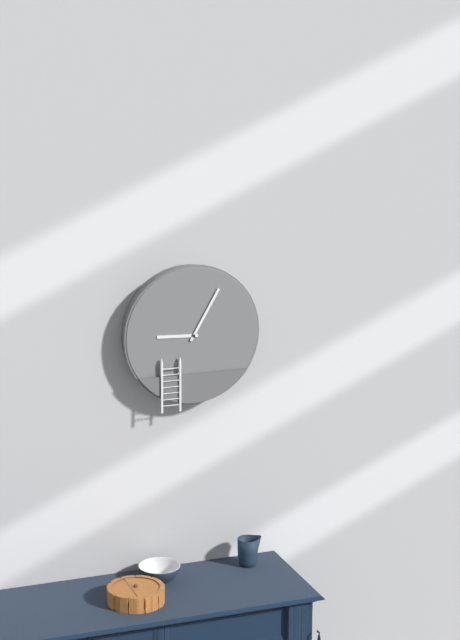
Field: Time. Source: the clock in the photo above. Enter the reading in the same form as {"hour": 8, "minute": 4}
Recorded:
{"hour": 9, "minute": 5}
